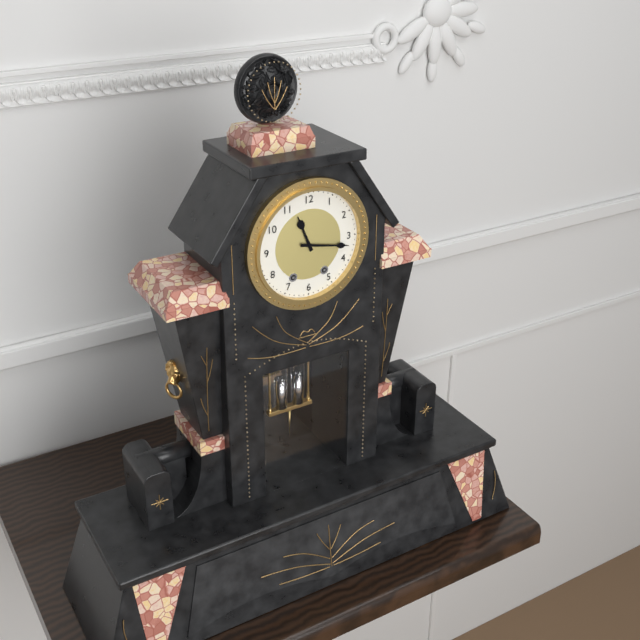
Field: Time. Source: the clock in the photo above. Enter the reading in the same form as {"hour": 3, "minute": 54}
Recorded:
{"hour": 11, "minute": 17}
